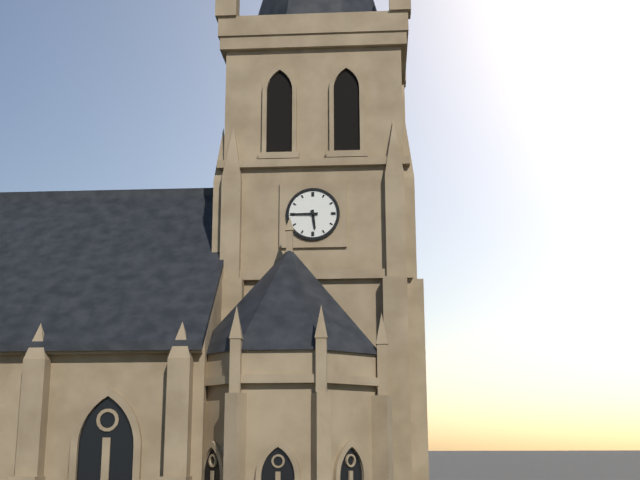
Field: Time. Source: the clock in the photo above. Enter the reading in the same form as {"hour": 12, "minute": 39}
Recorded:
{"hour": 5, "minute": 45}
